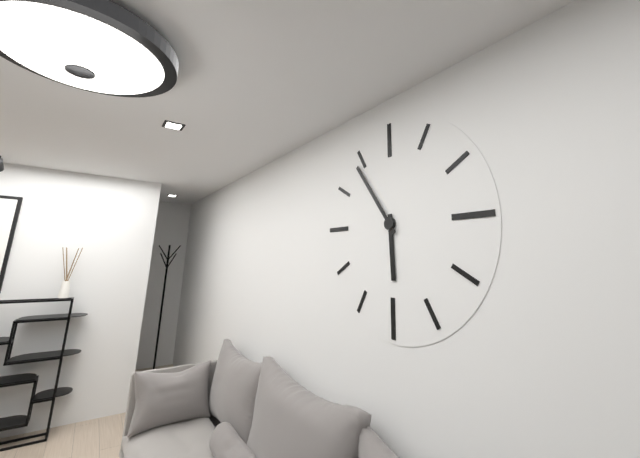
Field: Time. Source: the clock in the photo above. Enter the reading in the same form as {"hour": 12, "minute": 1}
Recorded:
{"hour": 5, "minute": 54}
